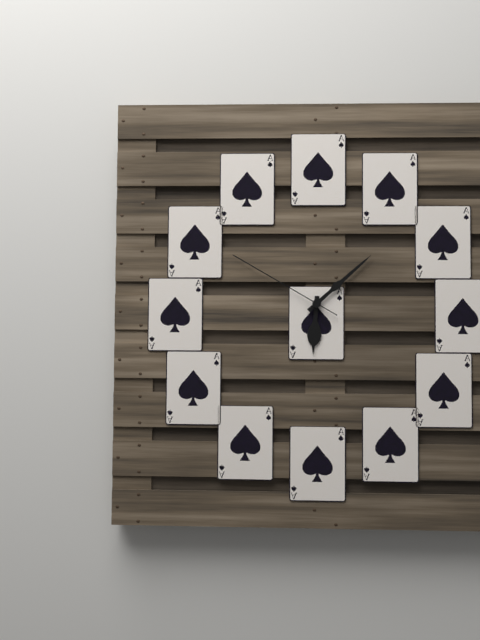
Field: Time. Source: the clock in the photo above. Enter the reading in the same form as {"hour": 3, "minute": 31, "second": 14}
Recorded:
{"hour": 6, "minute": 8, "second": 50}
